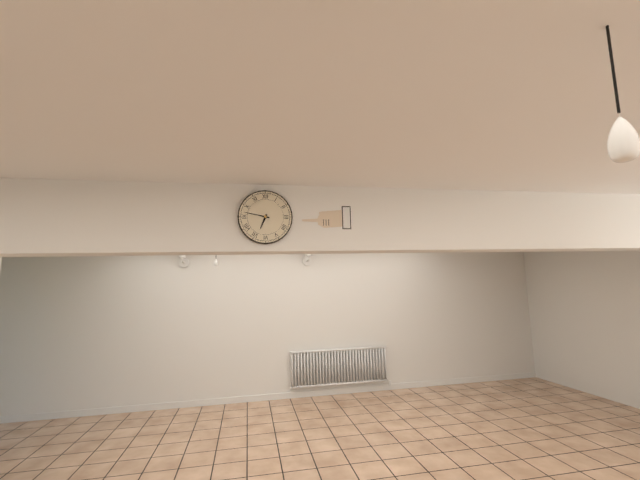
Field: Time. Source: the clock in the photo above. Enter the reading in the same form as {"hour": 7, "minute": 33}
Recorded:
{"hour": 6, "minute": 47}
